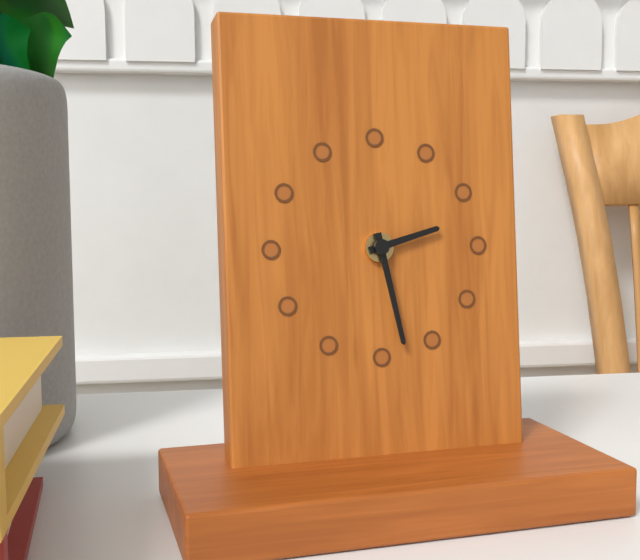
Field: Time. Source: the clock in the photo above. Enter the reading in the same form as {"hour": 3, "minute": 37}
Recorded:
{"hour": 2, "minute": 28}
